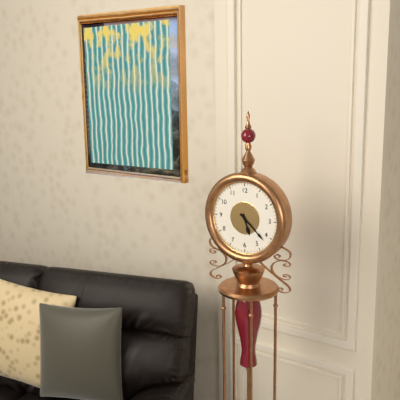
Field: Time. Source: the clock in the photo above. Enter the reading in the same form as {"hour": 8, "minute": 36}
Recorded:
{"hour": 5, "minute": 22}
